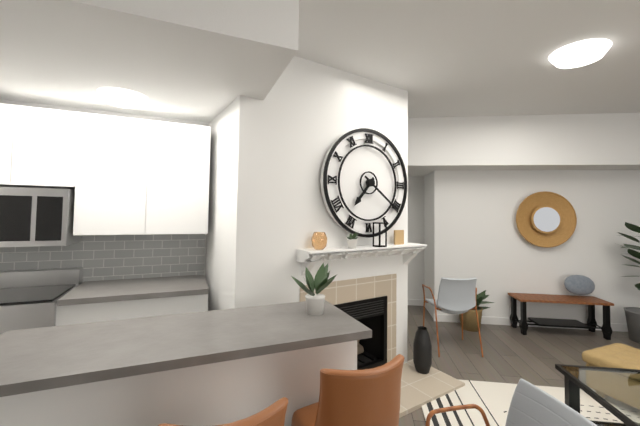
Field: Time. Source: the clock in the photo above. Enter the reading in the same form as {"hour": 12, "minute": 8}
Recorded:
{"hour": 7, "minute": 21}
